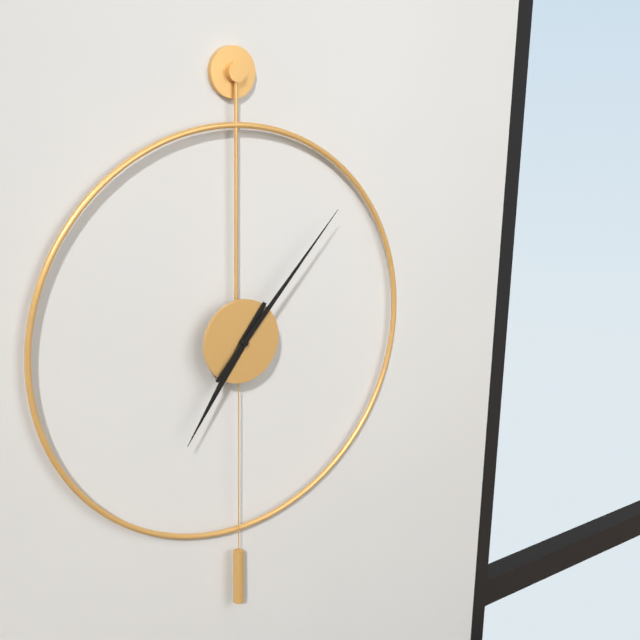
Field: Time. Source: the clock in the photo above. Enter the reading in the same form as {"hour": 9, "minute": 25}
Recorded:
{"hour": 7, "minute": 7}
